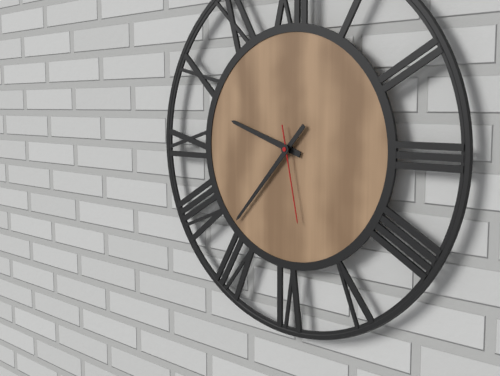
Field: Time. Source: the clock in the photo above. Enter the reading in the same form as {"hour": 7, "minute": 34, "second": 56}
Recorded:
{"hour": 9, "minute": 37, "second": 28}
